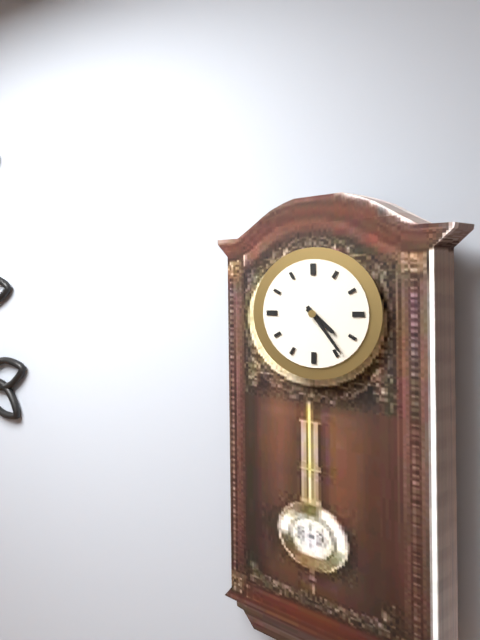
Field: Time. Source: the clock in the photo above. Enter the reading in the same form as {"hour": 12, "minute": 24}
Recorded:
{"hour": 4, "minute": 24}
